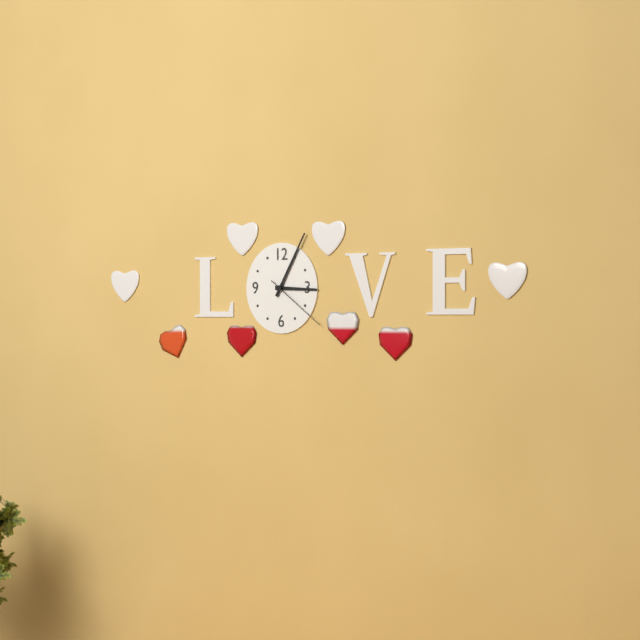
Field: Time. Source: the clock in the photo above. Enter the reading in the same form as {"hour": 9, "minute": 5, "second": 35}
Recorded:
{"hour": 3, "minute": 5, "second": 21}
